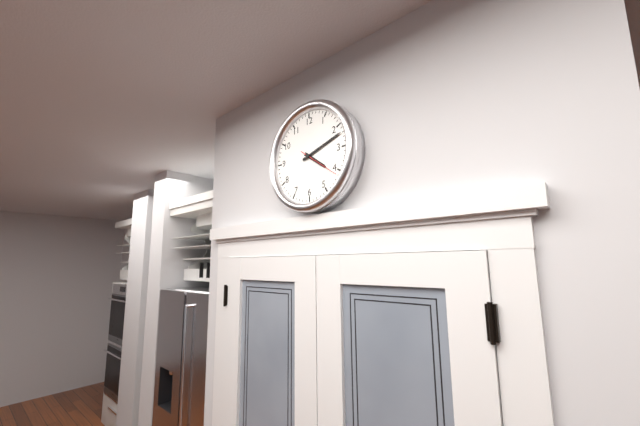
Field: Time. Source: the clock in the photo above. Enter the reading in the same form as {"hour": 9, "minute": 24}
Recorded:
{"hour": 4, "minute": 12}
